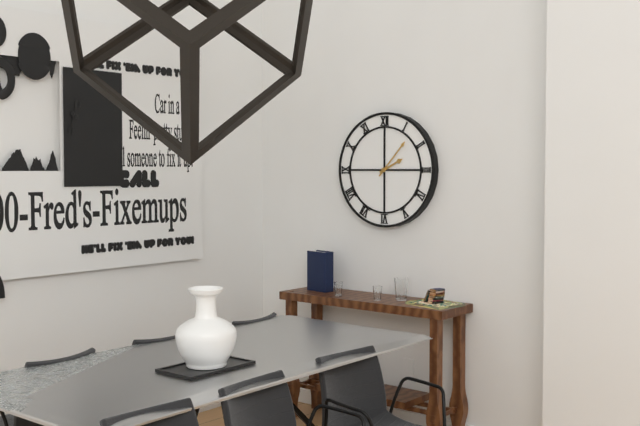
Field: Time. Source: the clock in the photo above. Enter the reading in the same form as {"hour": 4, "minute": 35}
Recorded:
{"hour": 2, "minute": 7}
